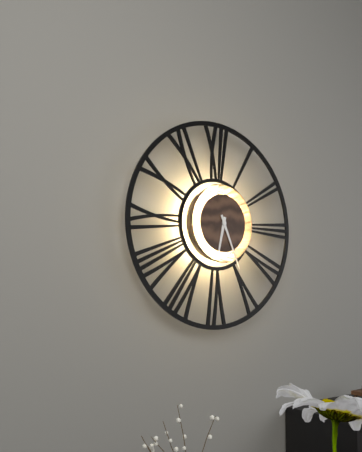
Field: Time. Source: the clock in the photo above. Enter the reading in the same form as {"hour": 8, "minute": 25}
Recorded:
{"hour": 6, "minute": 26}
